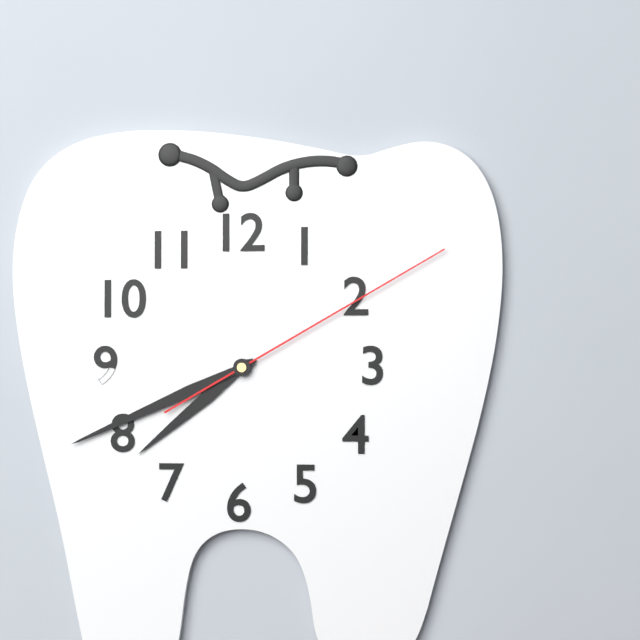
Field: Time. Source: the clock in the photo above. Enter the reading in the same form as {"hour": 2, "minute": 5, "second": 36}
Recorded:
{"hour": 7, "minute": 41, "second": 10}
